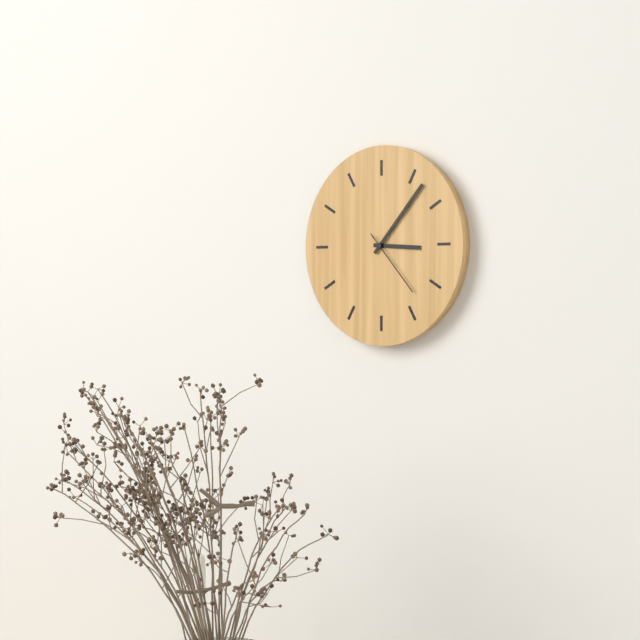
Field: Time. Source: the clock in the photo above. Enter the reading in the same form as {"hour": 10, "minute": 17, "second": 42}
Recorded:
{"hour": 3, "minute": 7, "second": 23}
